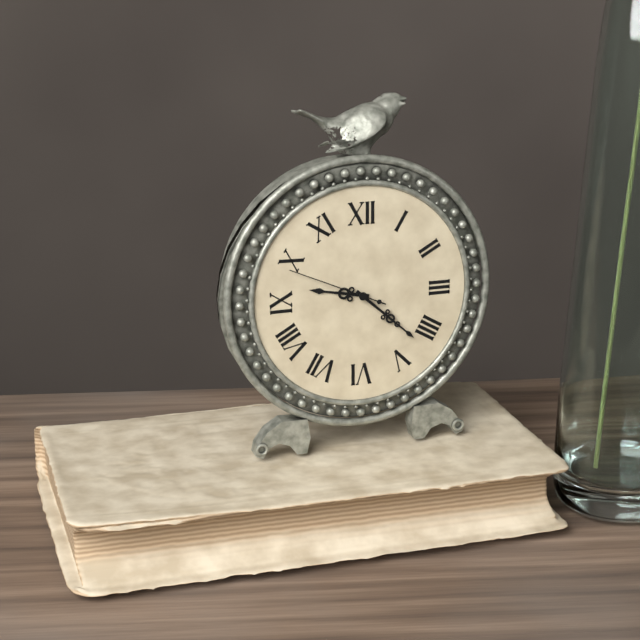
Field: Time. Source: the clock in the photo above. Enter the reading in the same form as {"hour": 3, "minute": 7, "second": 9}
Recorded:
{"hour": 9, "minute": 22, "second": 49}
